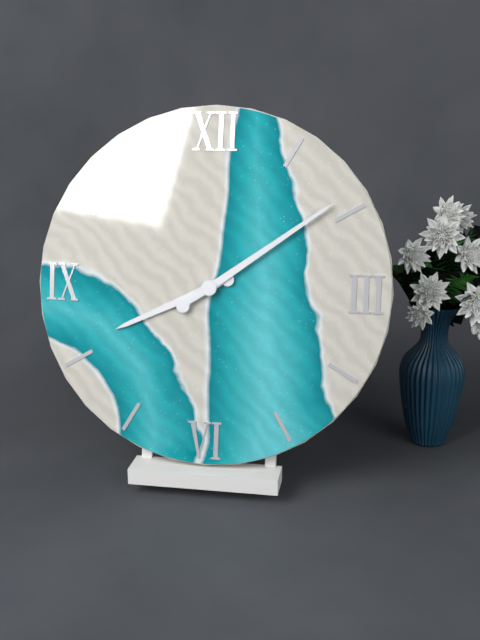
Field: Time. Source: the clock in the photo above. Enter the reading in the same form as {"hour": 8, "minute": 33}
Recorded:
{"hour": 8, "minute": 9}
